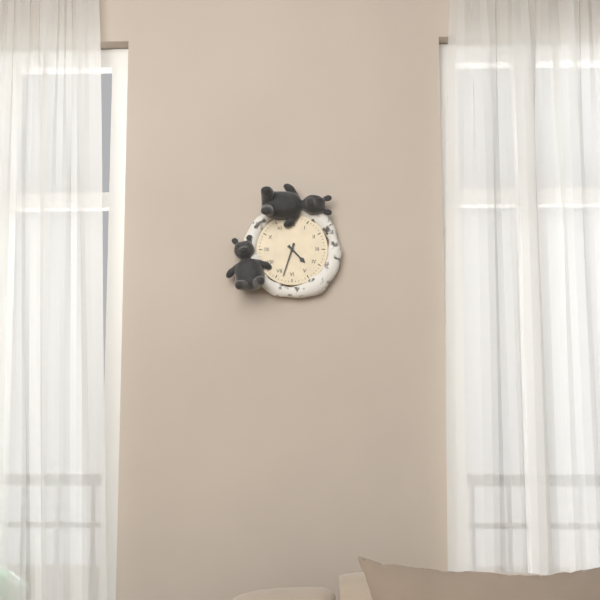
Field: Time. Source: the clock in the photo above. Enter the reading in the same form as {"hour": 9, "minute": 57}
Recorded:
{"hour": 4, "minute": 33}
